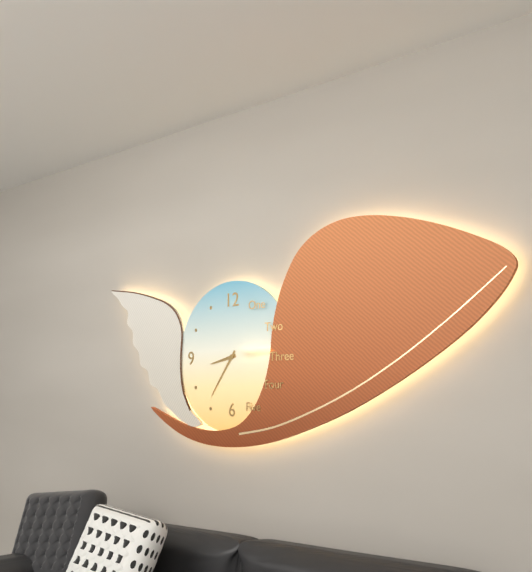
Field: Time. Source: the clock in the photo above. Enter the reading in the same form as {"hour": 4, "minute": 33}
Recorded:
{"hour": 8, "minute": 36}
